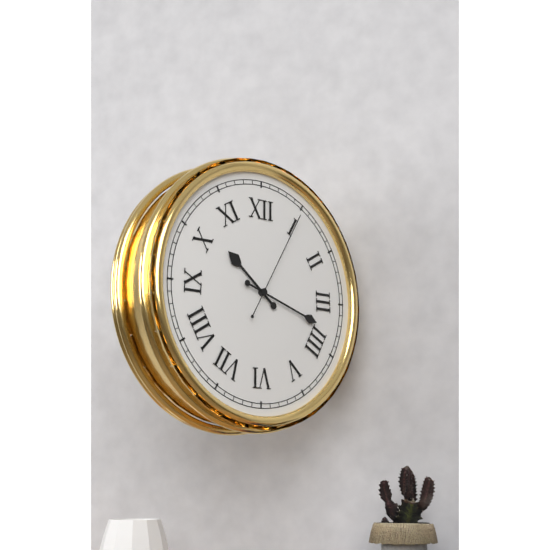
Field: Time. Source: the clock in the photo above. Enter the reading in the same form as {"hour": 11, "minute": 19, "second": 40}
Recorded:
{"hour": 10, "minute": 18, "second": 5}
